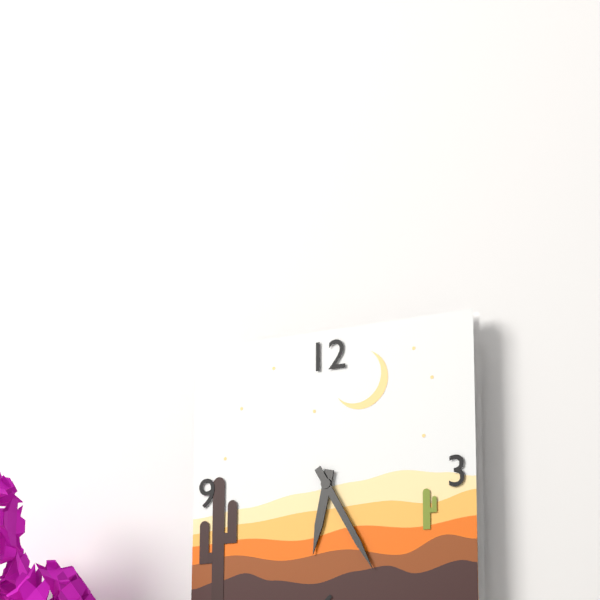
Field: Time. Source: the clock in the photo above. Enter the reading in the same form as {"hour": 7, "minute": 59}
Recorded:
{"hour": 6, "minute": 25}
